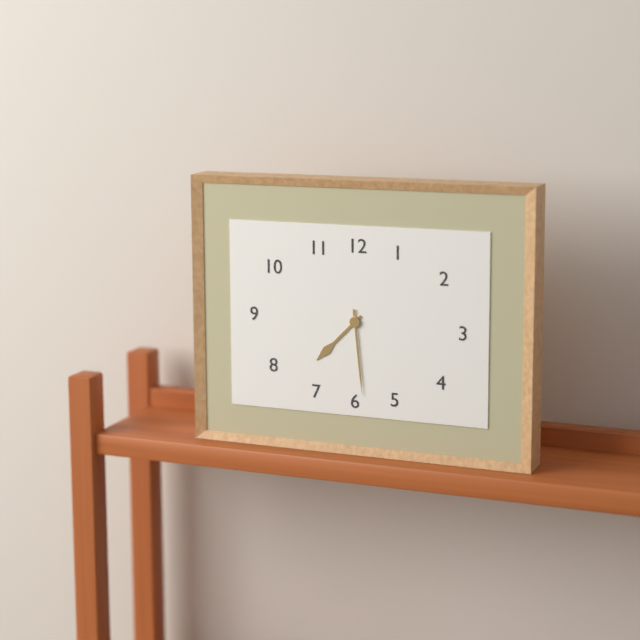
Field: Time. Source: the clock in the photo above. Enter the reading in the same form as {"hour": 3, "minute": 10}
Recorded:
{"hour": 7, "minute": 29}
